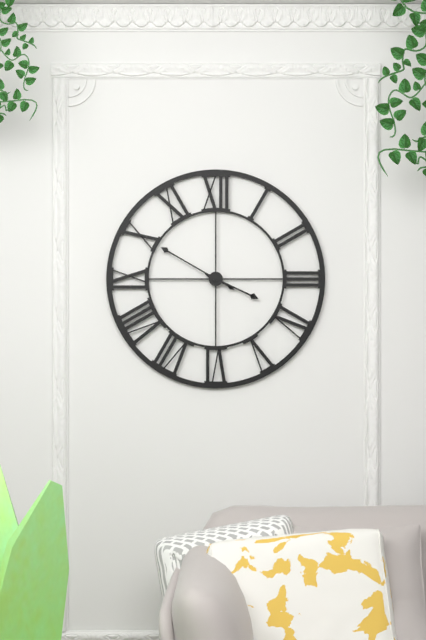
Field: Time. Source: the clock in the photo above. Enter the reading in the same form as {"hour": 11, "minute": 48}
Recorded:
{"hour": 3, "minute": 50}
